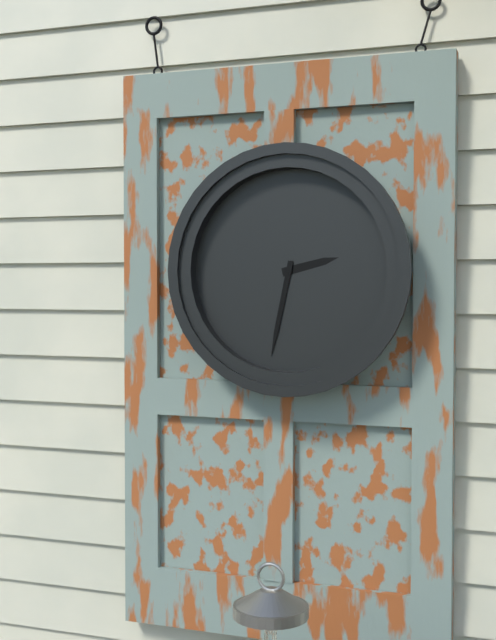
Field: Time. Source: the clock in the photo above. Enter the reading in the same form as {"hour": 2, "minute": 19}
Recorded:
{"hour": 2, "minute": 32}
